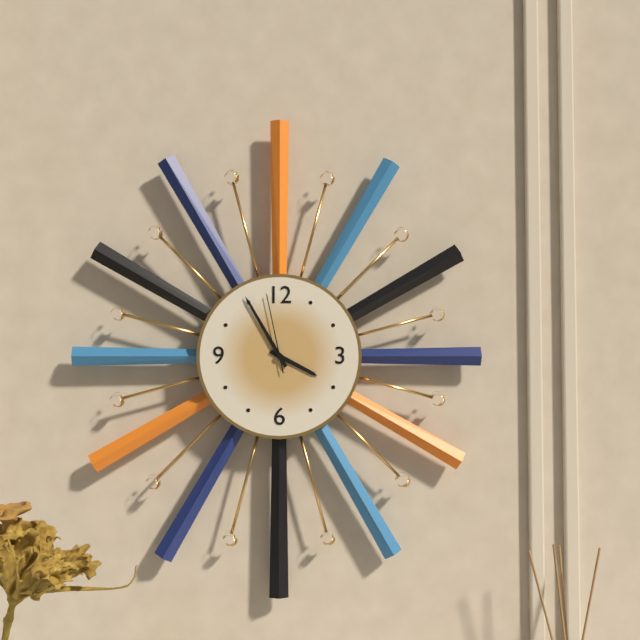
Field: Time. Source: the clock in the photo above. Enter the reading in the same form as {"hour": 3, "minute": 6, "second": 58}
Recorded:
{"hour": 3, "minute": 55, "second": 58}
